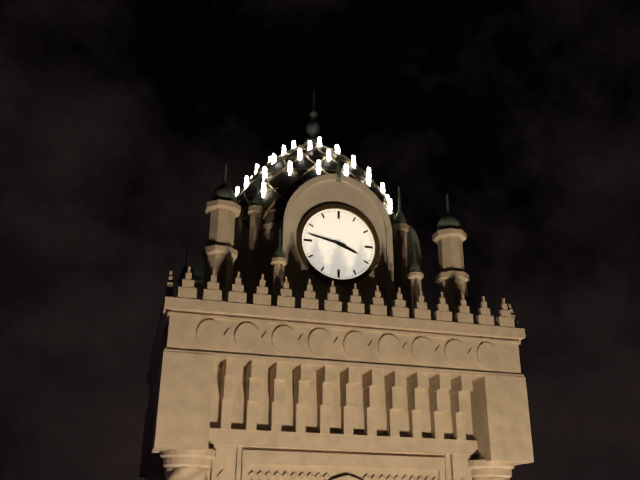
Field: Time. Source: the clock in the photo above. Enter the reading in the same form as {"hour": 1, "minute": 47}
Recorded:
{"hour": 3, "minute": 47}
